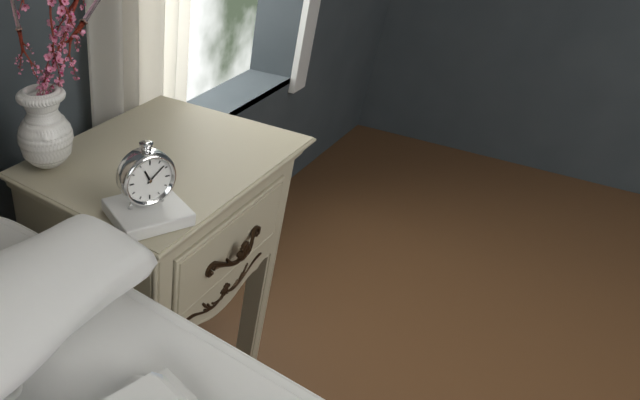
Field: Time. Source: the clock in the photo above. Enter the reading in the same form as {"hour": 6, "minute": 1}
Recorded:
{"hour": 11, "minute": 8}
